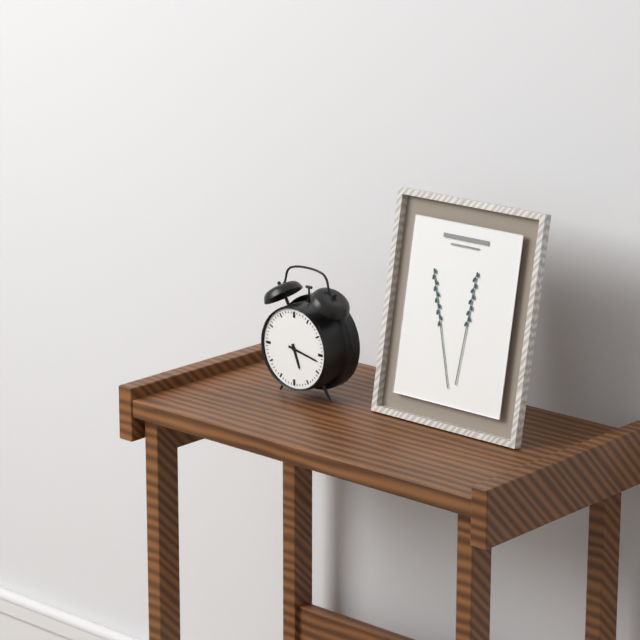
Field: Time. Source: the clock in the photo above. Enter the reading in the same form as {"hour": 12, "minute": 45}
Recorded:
{"hour": 5, "minute": 17}
